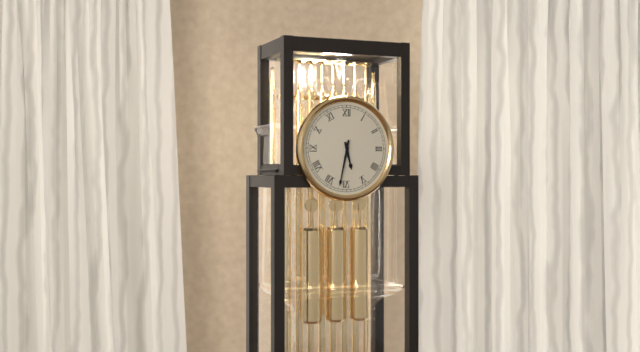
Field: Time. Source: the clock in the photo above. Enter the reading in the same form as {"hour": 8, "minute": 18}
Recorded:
{"hour": 5, "minute": 32}
